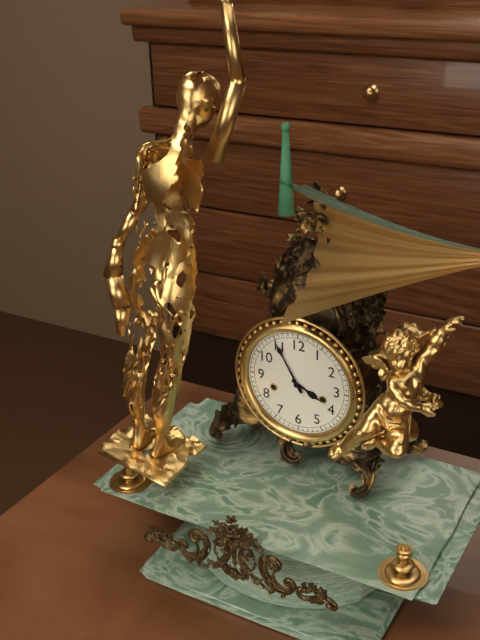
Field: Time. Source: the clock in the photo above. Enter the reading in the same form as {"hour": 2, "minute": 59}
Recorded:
{"hour": 3, "minute": 55}
